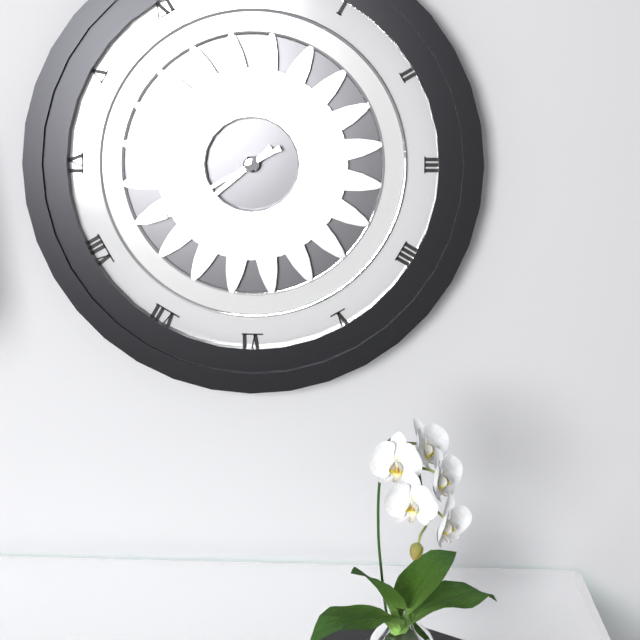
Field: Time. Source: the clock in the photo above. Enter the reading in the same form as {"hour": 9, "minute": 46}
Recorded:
{"hour": 7, "minute": 40}
